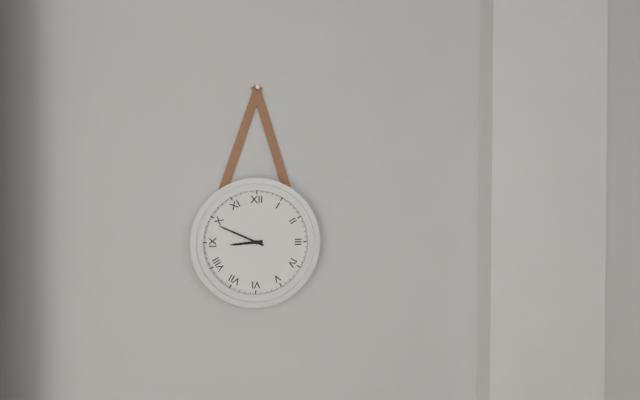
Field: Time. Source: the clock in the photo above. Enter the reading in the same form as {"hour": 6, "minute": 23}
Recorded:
{"hour": 8, "minute": 49}
